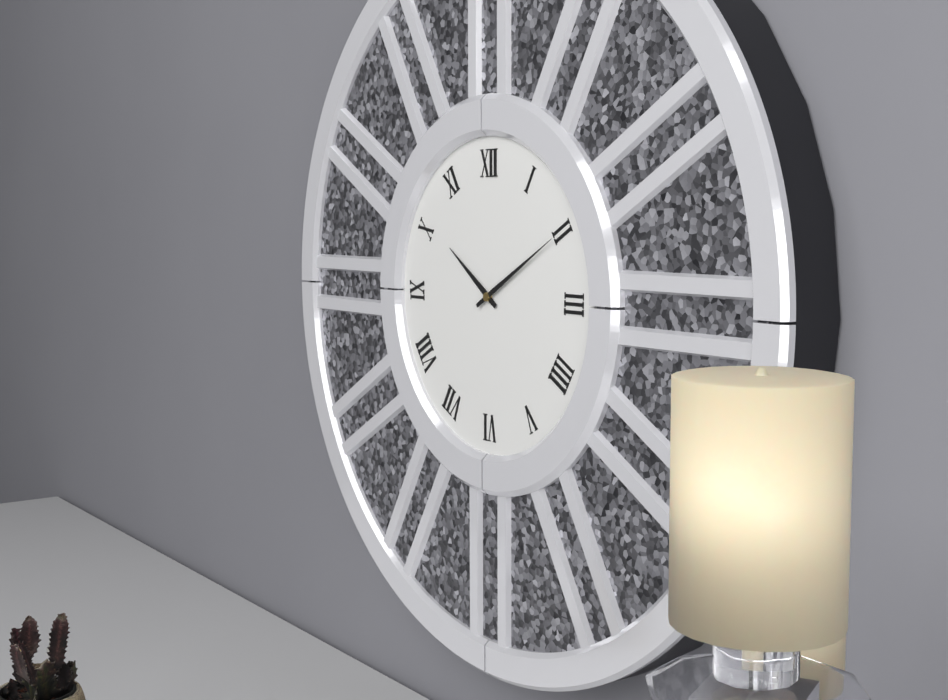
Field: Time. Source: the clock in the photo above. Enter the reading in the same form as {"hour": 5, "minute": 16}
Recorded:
{"hour": 10, "minute": 10}
